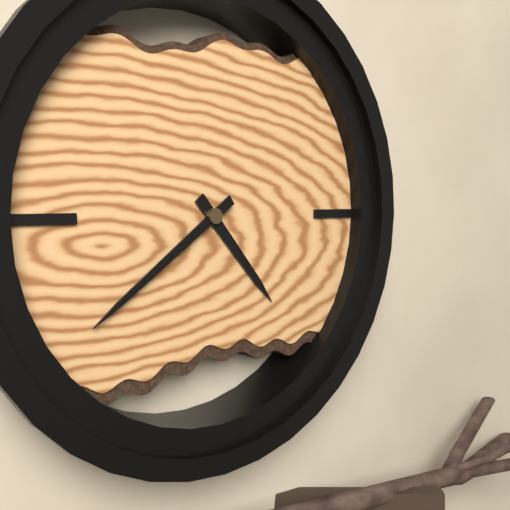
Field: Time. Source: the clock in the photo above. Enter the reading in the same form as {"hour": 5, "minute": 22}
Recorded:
{"hour": 4, "minute": 39}
